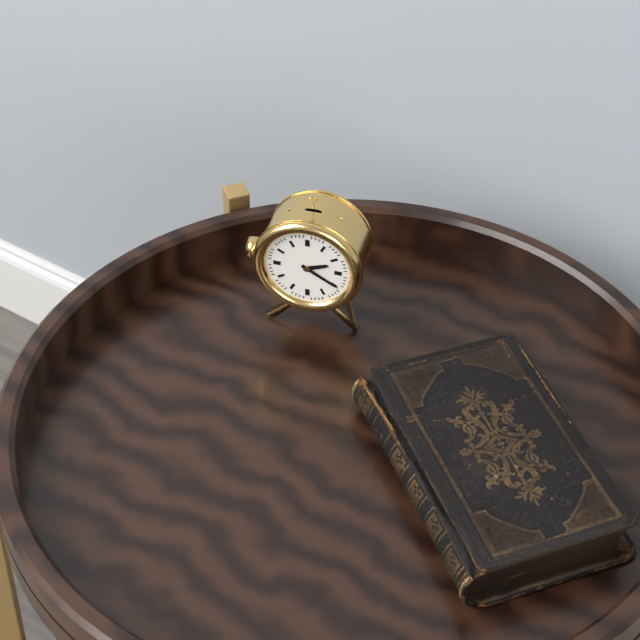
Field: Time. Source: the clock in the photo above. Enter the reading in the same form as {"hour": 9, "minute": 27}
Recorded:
{"hour": 2, "minute": 20}
